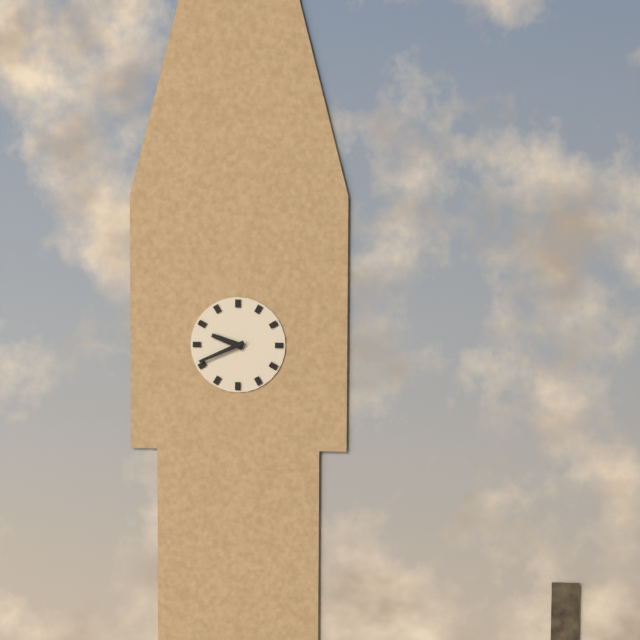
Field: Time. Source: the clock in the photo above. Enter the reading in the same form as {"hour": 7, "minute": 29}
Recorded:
{"hour": 9, "minute": 41}
